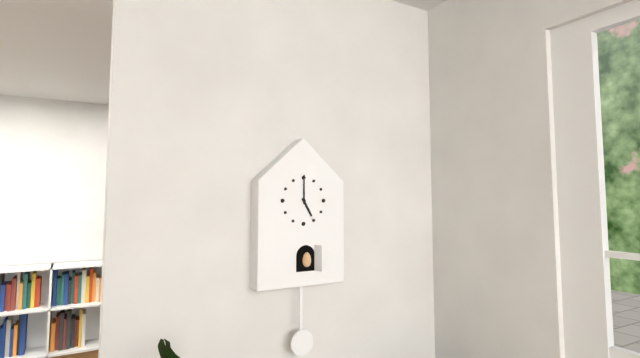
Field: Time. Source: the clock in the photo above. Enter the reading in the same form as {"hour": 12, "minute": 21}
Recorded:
{"hour": 5, "minute": 0}
